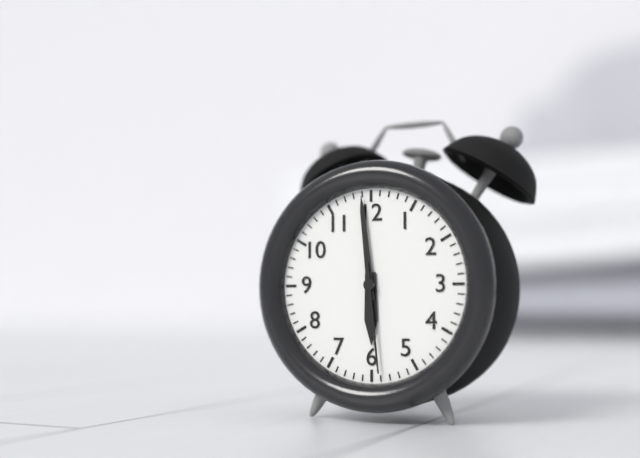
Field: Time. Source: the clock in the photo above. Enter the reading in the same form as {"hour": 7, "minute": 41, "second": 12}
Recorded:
{"hour": 5, "minute": 59, "second": 29}
